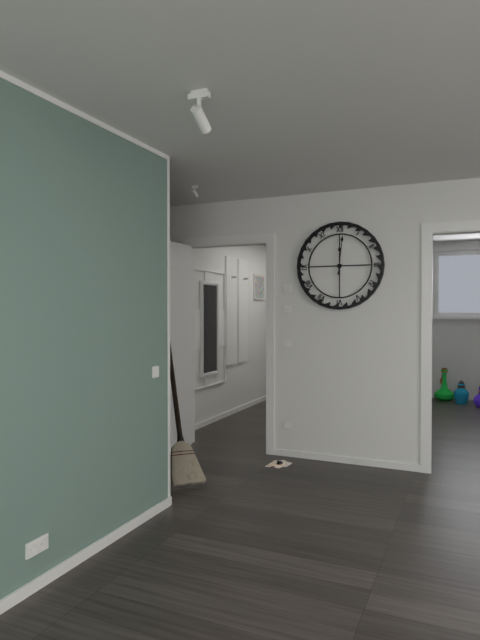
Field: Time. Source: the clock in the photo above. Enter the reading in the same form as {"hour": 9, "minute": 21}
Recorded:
{"hour": 12, "minute": 1}
